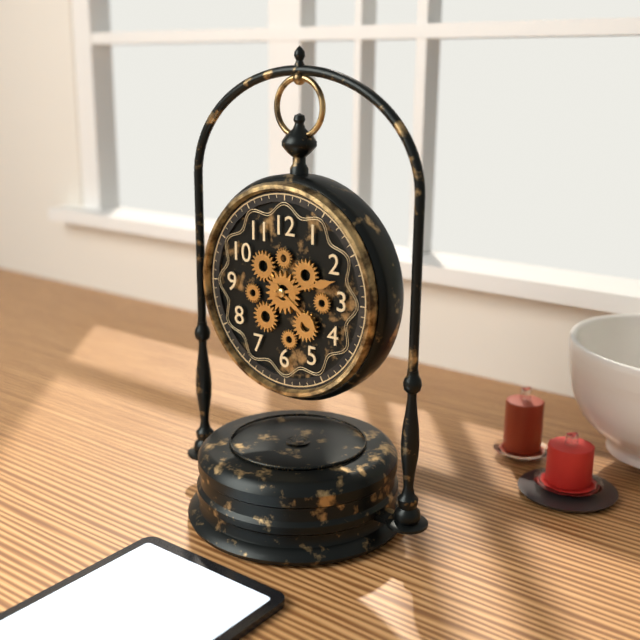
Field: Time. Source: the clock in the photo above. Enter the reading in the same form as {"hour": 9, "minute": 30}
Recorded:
{"hour": 4, "minute": 12}
